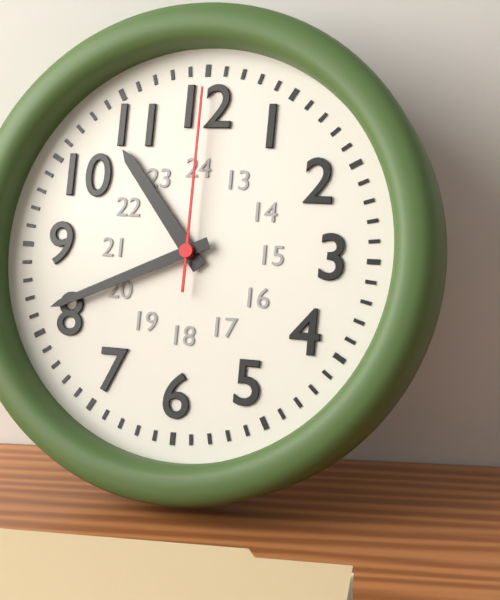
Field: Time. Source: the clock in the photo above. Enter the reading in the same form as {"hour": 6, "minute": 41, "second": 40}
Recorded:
{"hour": 10, "minute": 41, "second": 0}
